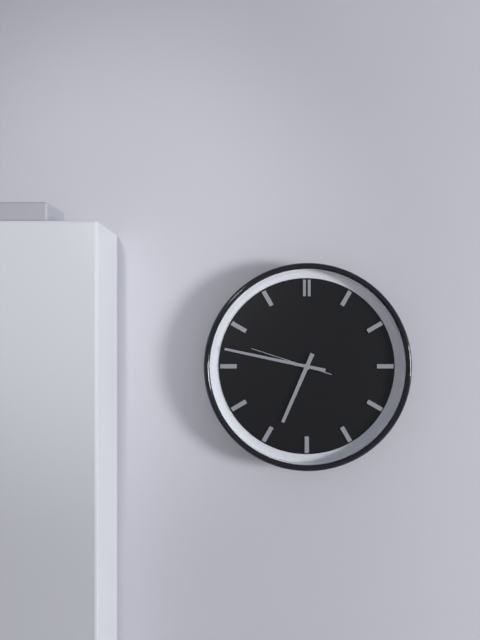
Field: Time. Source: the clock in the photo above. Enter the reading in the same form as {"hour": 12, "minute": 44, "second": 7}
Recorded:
{"hour": 6, "minute": 47, "second": 48}
